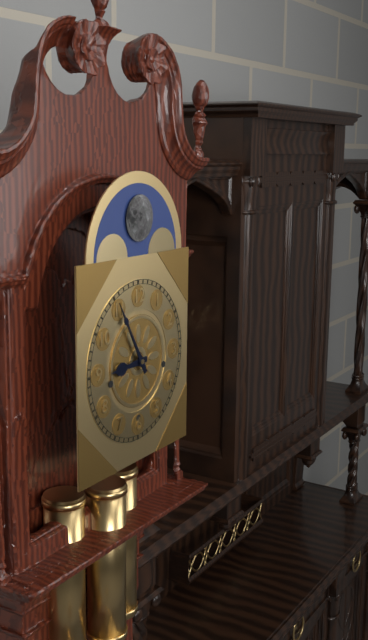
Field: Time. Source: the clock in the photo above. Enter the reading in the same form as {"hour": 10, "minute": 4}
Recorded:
{"hour": 8, "minute": 55}
